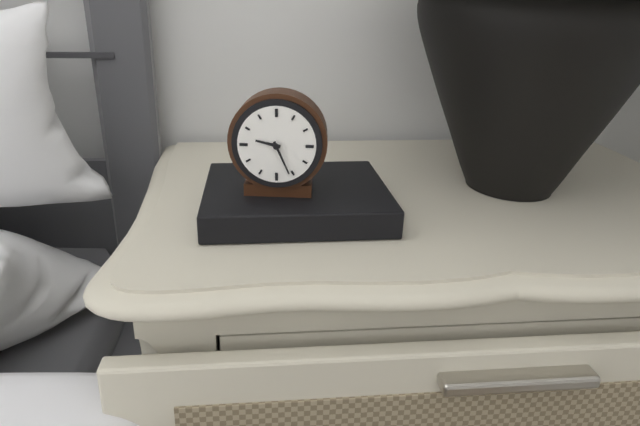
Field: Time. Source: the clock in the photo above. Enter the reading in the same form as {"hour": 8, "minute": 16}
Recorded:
{"hour": 9, "minute": 26}
